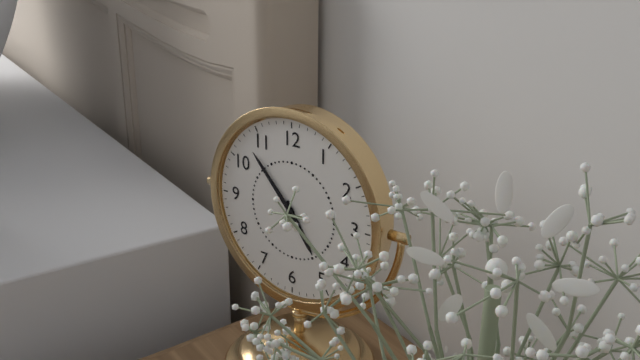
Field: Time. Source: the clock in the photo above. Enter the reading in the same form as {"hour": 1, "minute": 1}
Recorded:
{"hour": 4, "minute": 53}
